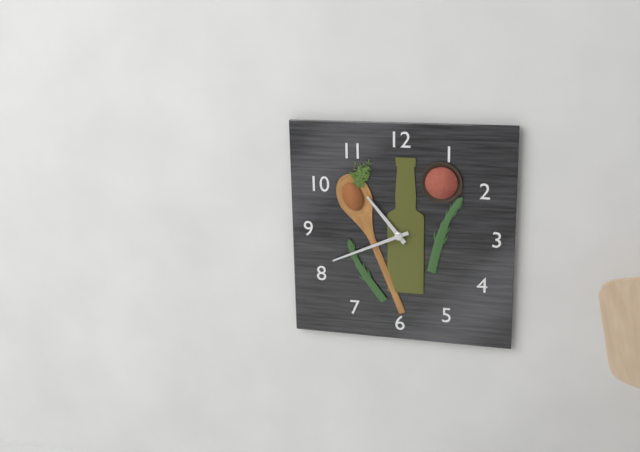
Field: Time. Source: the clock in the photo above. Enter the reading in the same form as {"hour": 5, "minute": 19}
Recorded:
{"hour": 10, "minute": 41}
